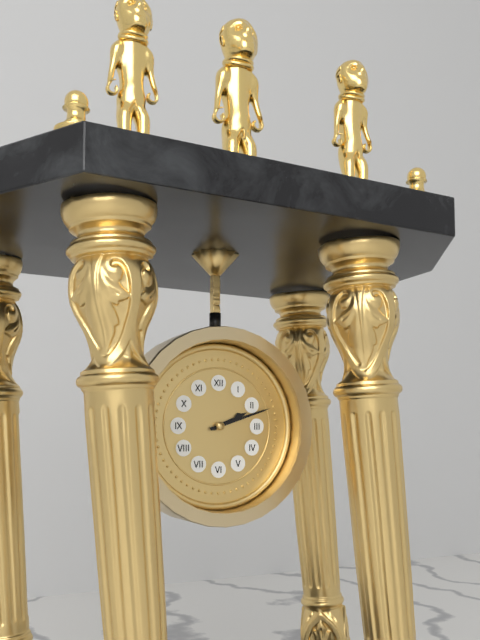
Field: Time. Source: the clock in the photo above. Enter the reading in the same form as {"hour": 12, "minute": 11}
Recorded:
{"hour": 2, "minute": 12}
